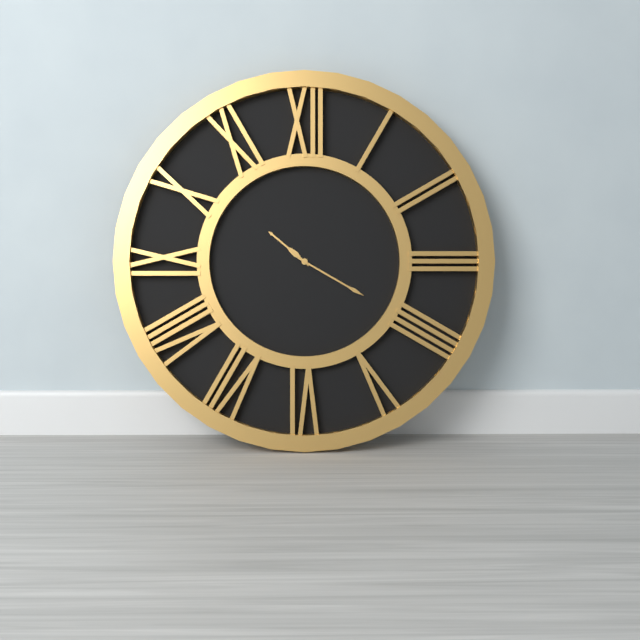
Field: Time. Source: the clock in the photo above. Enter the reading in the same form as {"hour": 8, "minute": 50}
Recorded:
{"hour": 10, "minute": 20}
